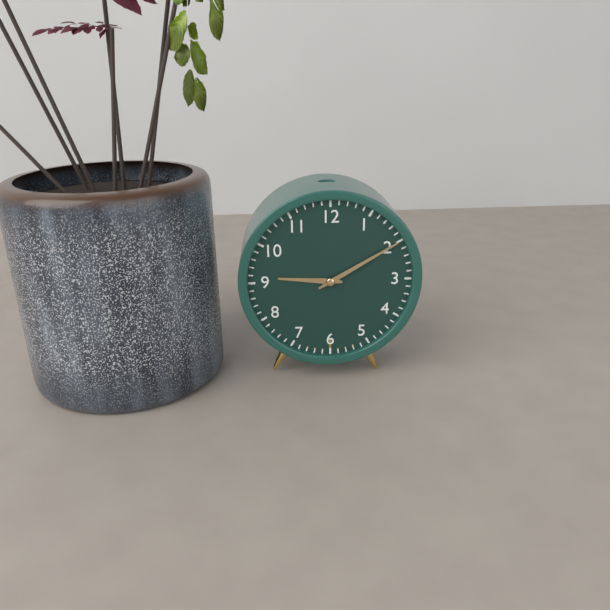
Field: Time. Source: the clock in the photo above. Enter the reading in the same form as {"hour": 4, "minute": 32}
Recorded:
{"hour": 9, "minute": 10}
